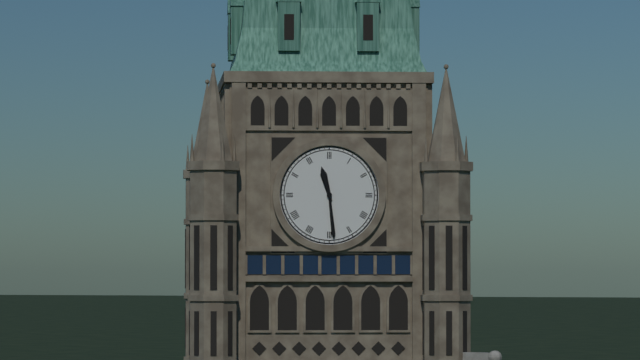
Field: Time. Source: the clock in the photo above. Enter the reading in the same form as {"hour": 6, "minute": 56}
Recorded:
{"hour": 11, "minute": 29}
